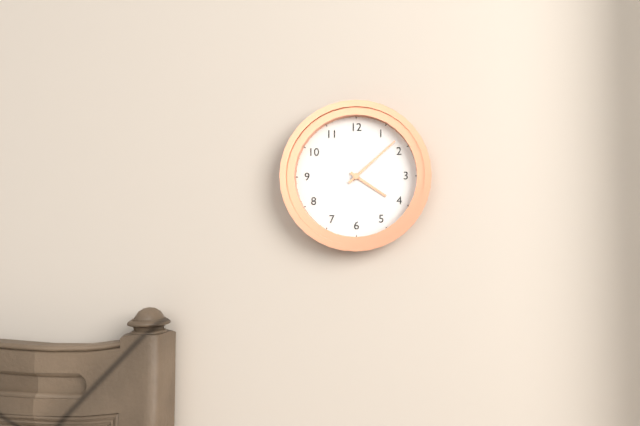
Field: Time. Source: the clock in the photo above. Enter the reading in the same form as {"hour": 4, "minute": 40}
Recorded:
{"hour": 4, "minute": 8}
